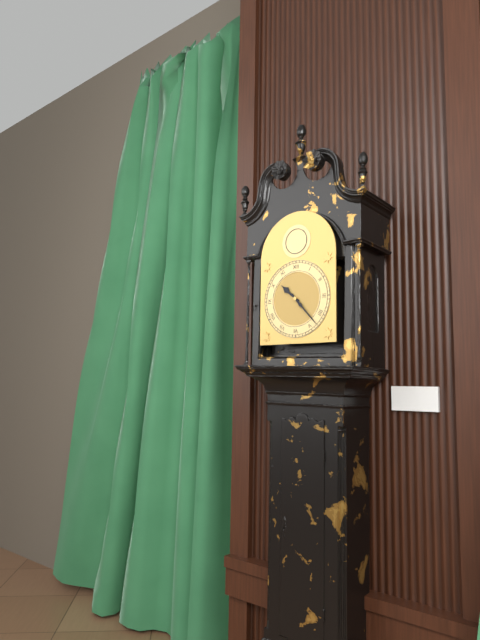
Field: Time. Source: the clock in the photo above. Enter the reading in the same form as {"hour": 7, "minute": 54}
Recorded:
{"hour": 10, "minute": 23}
